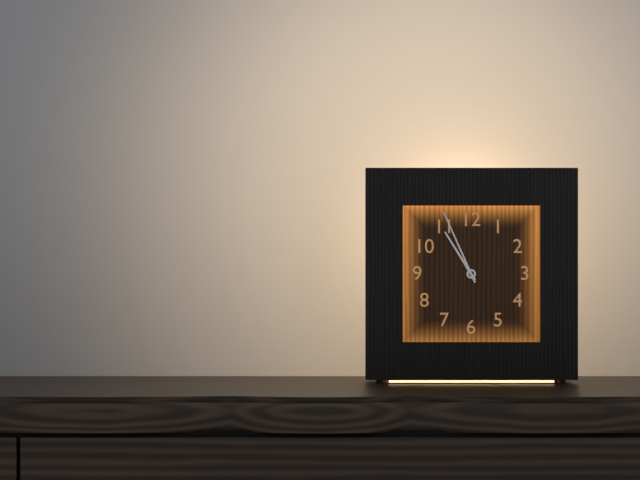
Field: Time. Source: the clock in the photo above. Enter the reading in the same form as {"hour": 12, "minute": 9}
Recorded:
{"hour": 10, "minute": 56}
